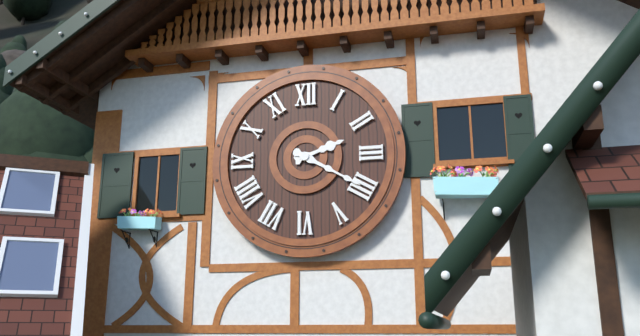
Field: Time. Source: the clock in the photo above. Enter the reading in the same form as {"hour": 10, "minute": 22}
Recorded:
{"hour": 2, "minute": 20}
